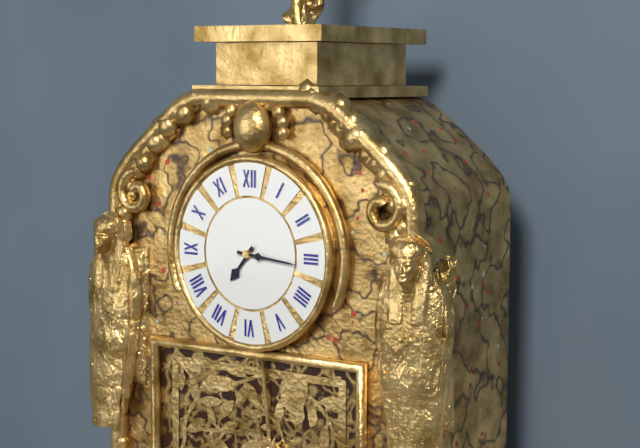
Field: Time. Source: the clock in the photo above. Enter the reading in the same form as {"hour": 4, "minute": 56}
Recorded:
{"hour": 7, "minute": 16}
